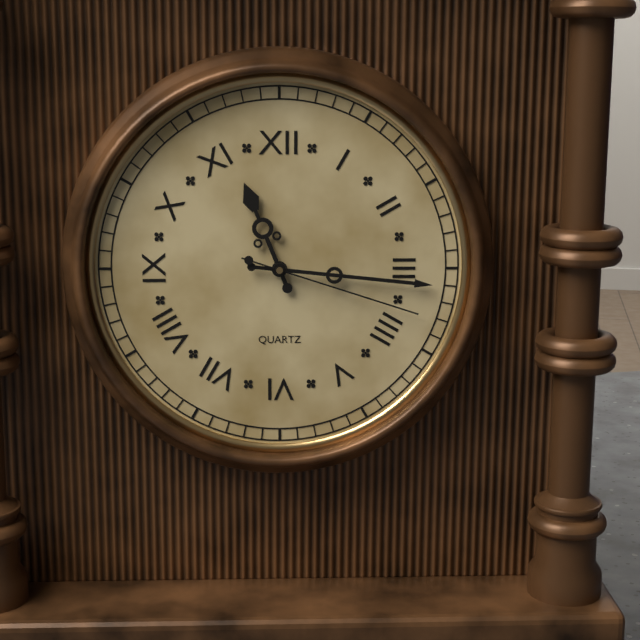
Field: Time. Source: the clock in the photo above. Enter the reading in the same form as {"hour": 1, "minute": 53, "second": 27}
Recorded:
{"hour": 11, "minute": 16, "second": 18}
